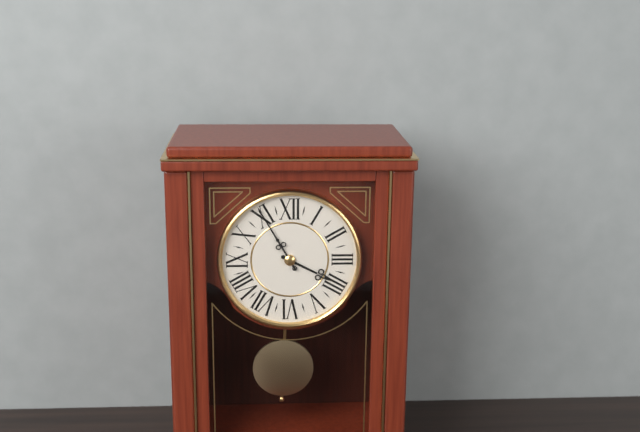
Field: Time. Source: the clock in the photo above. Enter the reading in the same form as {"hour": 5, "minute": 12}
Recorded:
{"hour": 3, "minute": 55}
